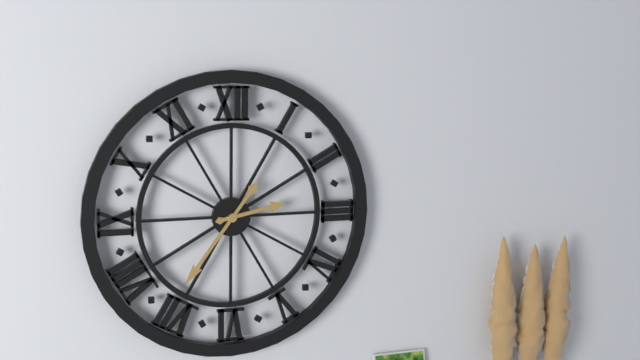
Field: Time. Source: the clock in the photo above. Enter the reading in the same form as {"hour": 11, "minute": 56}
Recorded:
{"hour": 2, "minute": 36}
